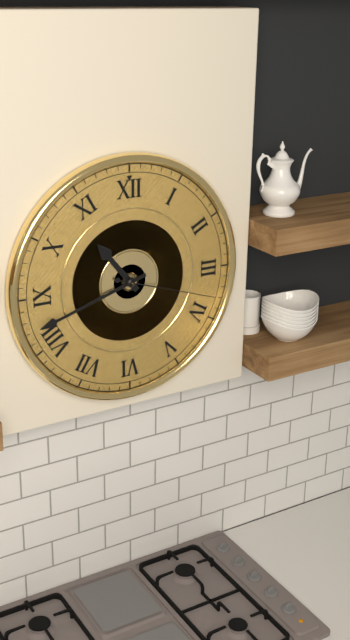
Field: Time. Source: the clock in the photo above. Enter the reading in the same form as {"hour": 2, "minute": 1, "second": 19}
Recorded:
{"hour": 10, "minute": 42, "second": 18}
